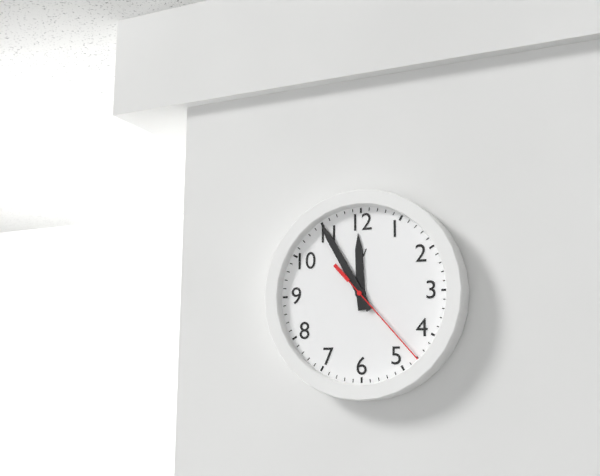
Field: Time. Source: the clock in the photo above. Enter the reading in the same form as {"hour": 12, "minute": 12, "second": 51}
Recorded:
{"hour": 11, "minute": 55, "second": 23}
